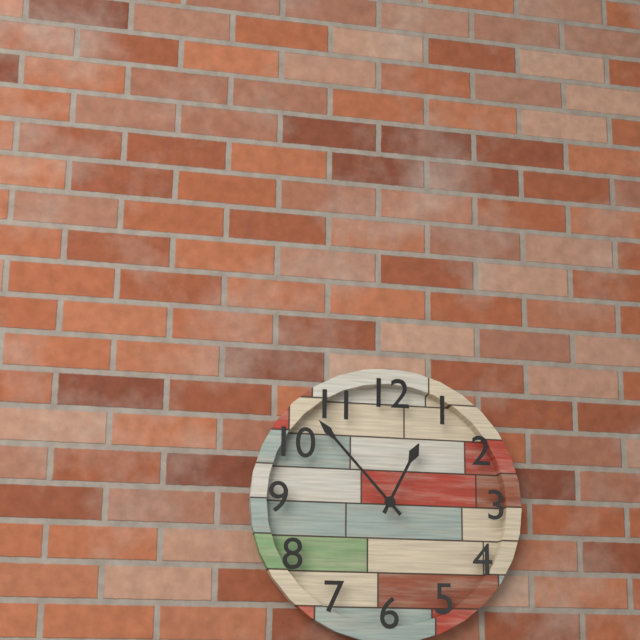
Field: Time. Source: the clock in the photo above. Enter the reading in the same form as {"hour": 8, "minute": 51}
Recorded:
{"hour": 12, "minute": 53}
